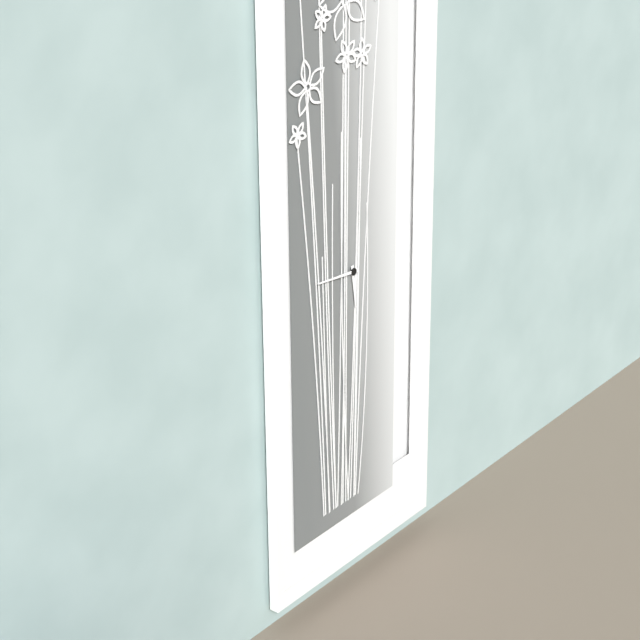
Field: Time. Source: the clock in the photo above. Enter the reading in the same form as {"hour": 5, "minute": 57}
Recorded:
{"hour": 5, "minute": 46}
